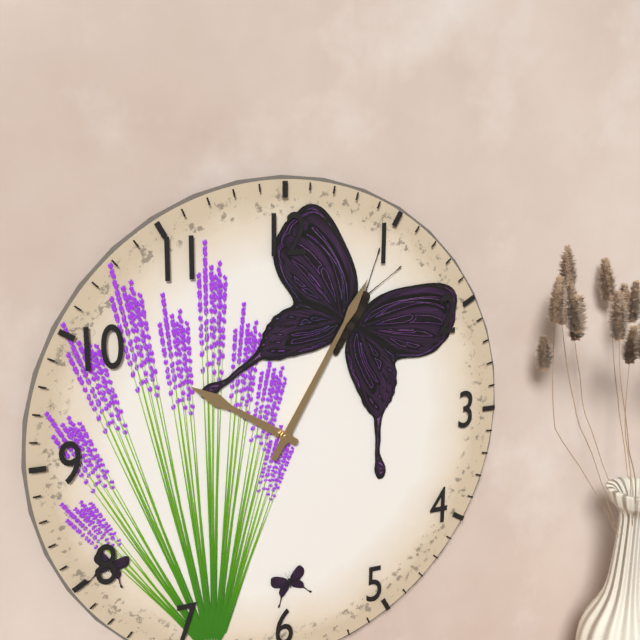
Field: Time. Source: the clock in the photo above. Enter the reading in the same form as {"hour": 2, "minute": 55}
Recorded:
{"hour": 10, "minute": 5}
